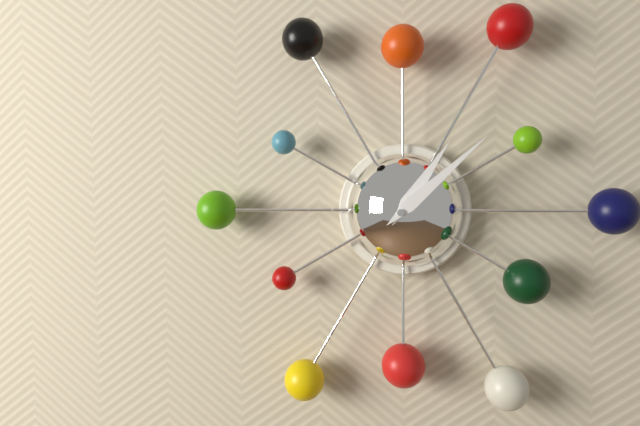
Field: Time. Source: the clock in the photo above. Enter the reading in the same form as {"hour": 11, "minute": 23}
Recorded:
{"hour": 1, "minute": 8}
